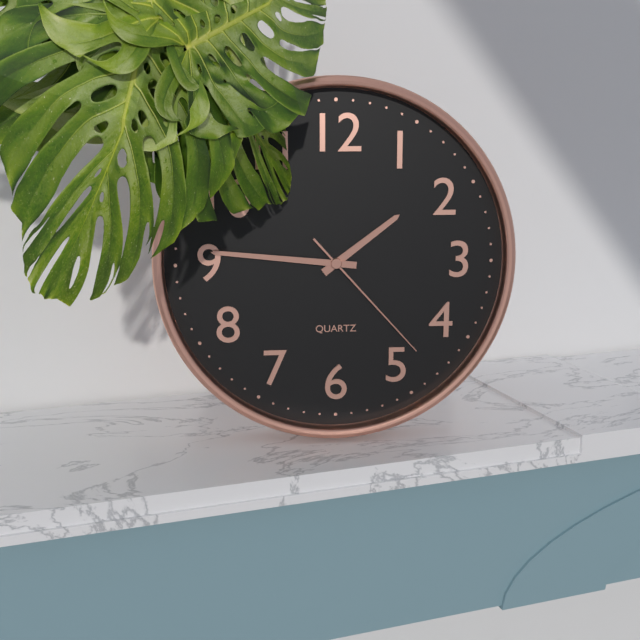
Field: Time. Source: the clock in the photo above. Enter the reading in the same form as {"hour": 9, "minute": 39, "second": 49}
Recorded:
{"hour": 1, "minute": 46, "second": 23}
